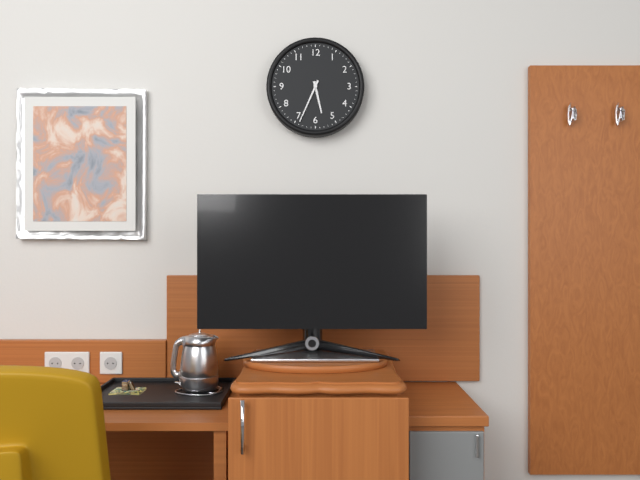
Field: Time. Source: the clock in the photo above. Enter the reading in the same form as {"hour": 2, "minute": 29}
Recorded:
{"hour": 5, "minute": 34}
